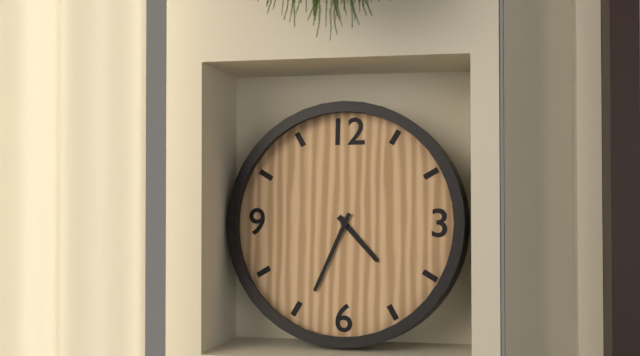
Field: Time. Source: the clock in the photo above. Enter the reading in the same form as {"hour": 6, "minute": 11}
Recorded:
{"hour": 4, "minute": 34}
